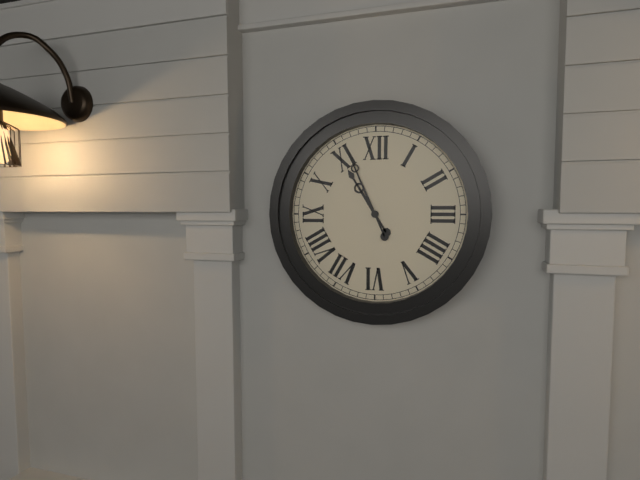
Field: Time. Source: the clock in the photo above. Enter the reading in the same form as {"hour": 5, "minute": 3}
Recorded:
{"hour": 10, "minute": 56}
